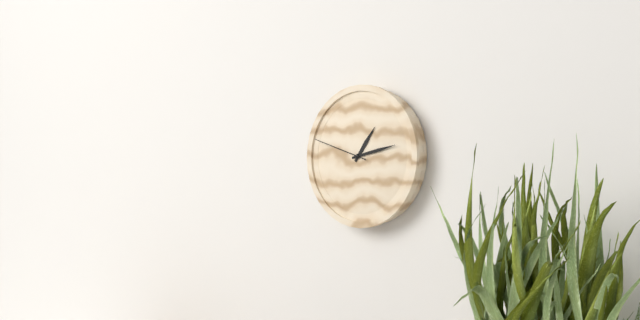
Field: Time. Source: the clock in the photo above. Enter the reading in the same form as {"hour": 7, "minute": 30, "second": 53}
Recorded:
{"hour": 1, "minute": 13, "second": 48}
